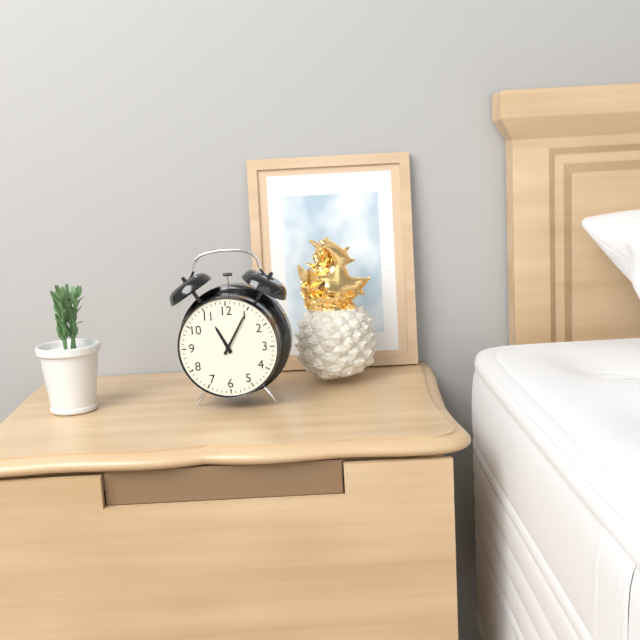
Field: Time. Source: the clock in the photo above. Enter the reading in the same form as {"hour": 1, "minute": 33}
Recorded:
{"hour": 11, "minute": 5}
